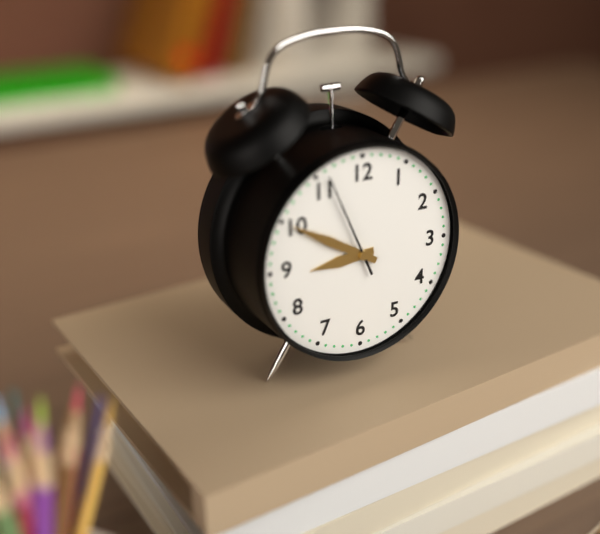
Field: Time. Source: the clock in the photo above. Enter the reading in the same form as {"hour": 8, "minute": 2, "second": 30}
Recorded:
{"hour": 8, "minute": 50, "second": 56}
